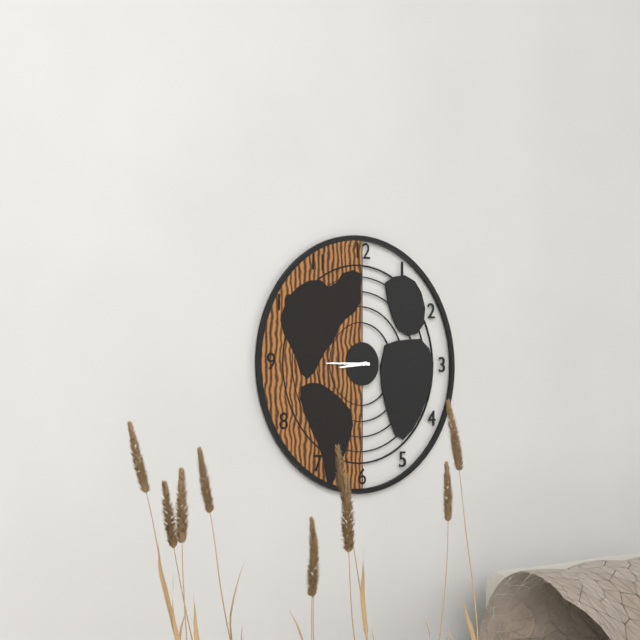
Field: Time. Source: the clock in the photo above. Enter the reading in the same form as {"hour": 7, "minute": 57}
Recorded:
{"hour": 8, "minute": 45}
